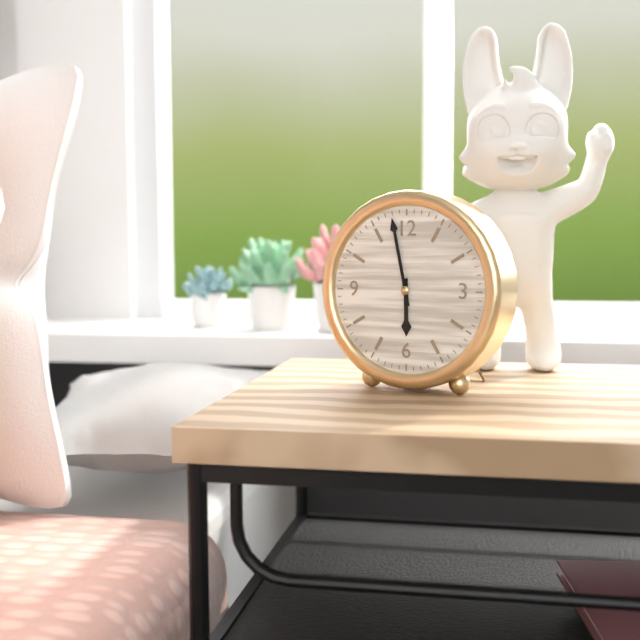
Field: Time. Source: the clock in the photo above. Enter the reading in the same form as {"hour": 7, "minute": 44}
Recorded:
{"hour": 5, "minute": 58}
